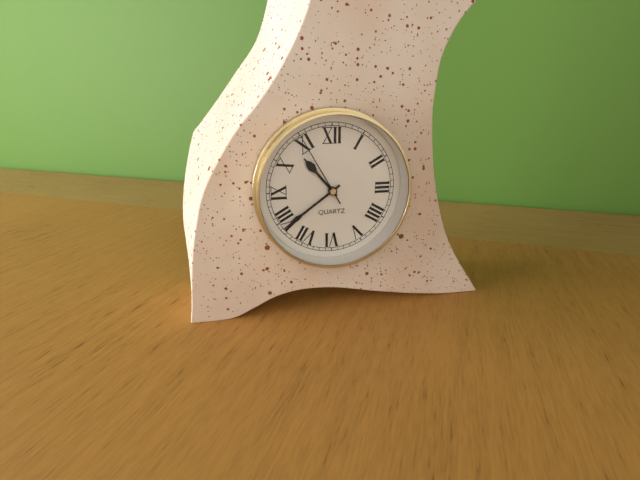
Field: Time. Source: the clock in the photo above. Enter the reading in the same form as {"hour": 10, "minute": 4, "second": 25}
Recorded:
{"hour": 10, "minute": 39, "second": 55}
